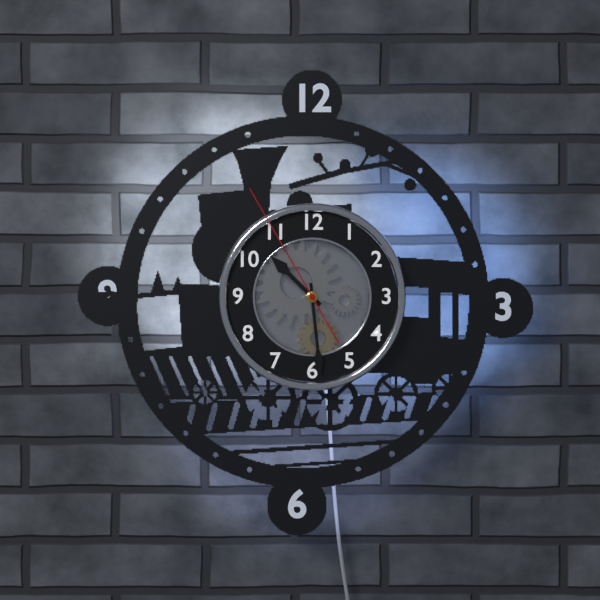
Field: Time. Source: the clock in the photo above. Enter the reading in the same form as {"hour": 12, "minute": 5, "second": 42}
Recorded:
{"hour": 10, "minute": 29, "second": 55}
